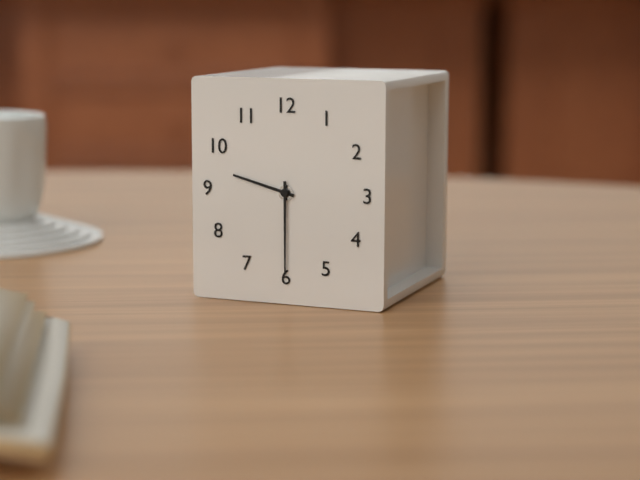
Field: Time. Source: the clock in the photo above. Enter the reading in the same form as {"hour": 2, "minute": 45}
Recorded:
{"hour": 9, "minute": 30}
